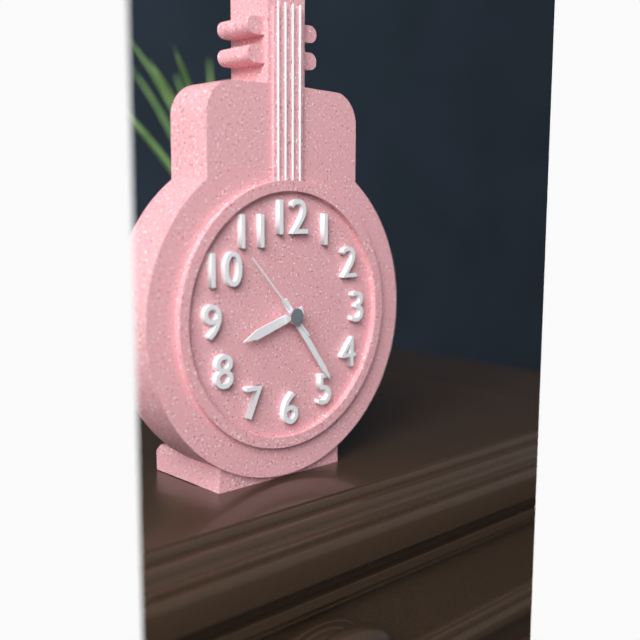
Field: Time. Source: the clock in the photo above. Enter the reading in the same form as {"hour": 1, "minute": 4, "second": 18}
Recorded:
{"hour": 8, "minute": 24, "second": 53}
